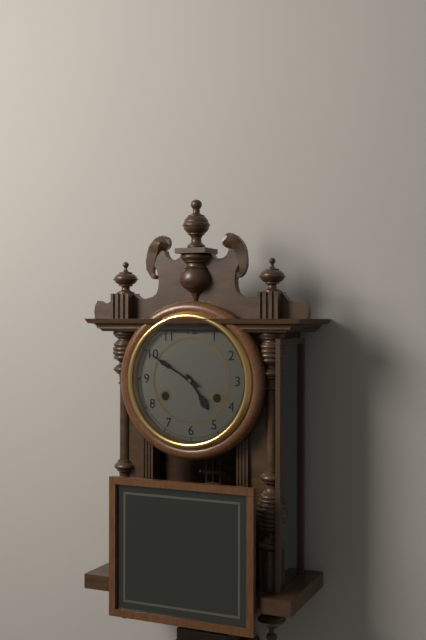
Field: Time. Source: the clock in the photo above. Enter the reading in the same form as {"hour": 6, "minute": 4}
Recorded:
{"hour": 4, "minute": 50}
